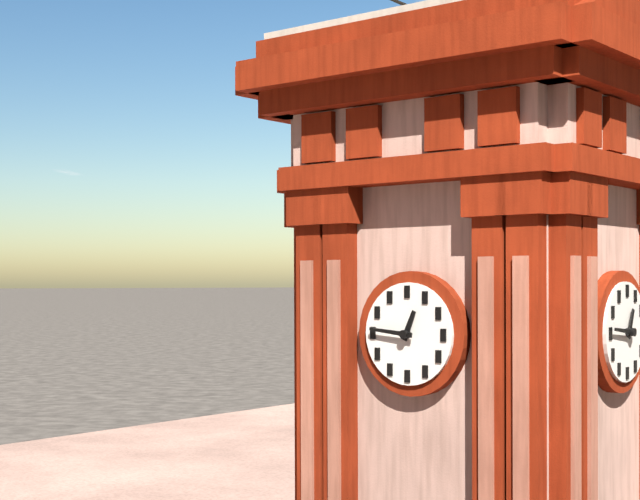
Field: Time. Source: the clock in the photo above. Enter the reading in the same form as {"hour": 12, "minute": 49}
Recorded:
{"hour": 12, "minute": 46}
